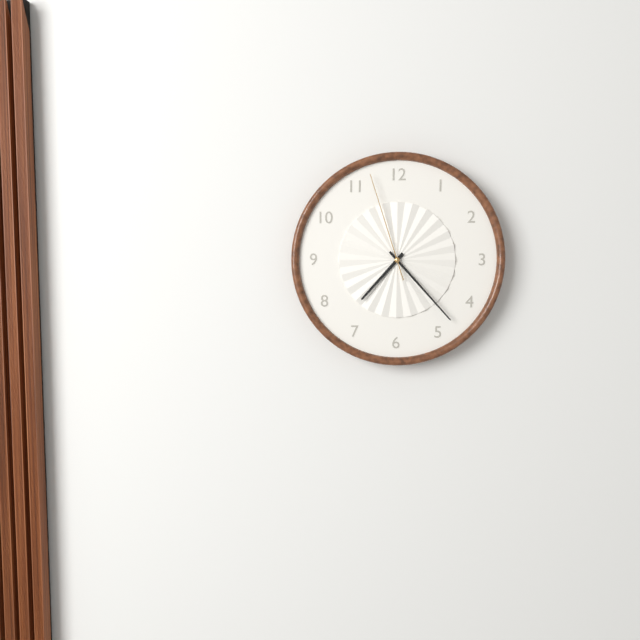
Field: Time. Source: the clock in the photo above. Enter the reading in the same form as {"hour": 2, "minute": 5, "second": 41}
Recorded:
{"hour": 7, "minute": 23, "second": 57}
